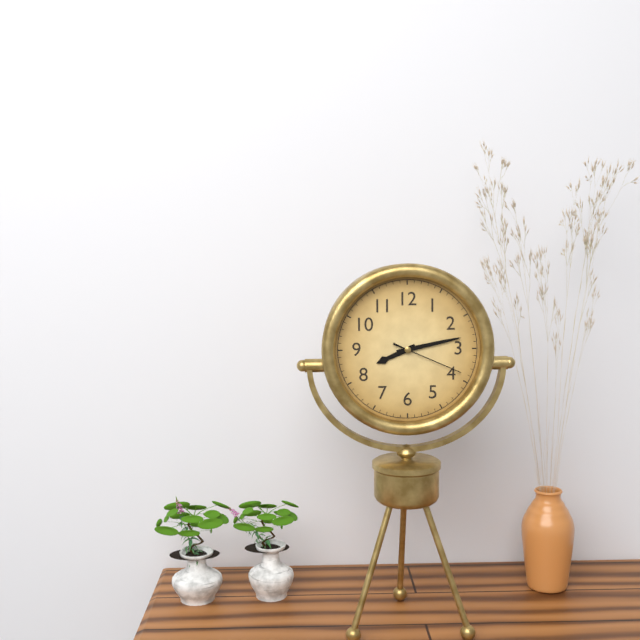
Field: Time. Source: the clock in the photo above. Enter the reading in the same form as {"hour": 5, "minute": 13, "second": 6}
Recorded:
{"hour": 8, "minute": 13, "second": 19}
